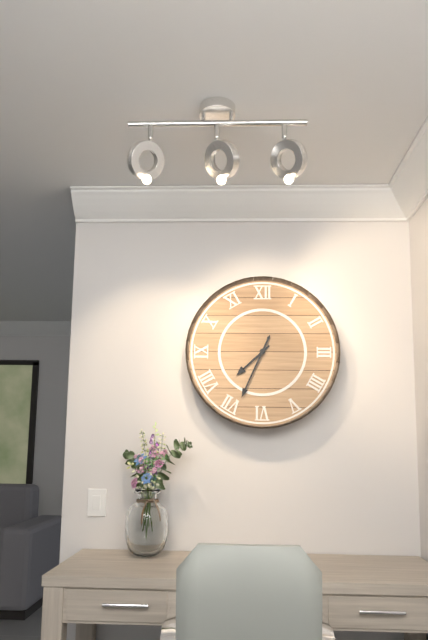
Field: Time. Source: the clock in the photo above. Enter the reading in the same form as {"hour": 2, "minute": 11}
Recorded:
{"hour": 7, "minute": 34}
